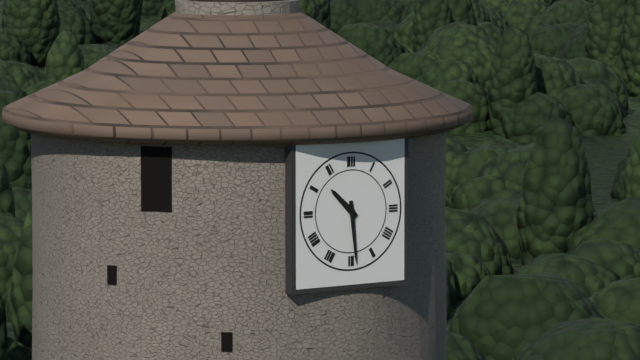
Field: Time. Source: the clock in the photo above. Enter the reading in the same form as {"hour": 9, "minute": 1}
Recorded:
{"hour": 10, "minute": 29}
